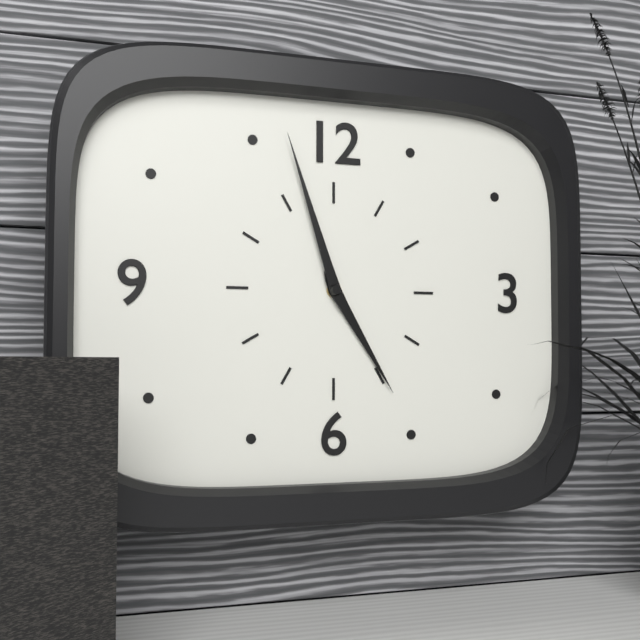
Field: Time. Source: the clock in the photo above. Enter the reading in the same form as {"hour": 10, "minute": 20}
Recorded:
{"hour": 4, "minute": 57}
